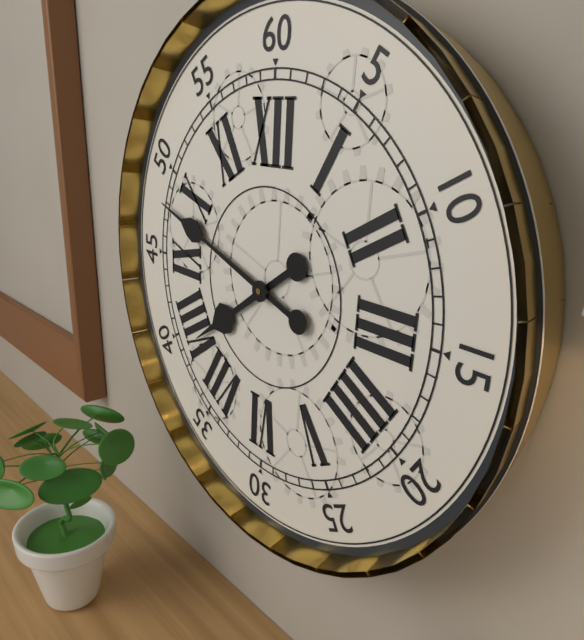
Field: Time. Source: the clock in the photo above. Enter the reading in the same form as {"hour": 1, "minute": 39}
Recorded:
{"hour": 7, "minute": 48}
